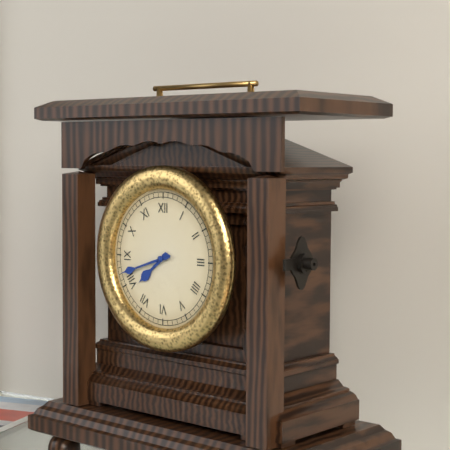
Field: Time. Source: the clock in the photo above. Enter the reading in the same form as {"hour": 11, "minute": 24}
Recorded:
{"hour": 7, "minute": 42}
